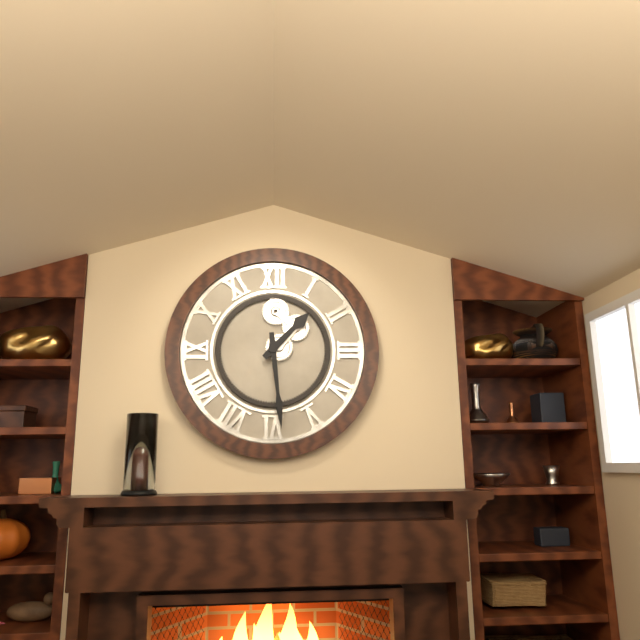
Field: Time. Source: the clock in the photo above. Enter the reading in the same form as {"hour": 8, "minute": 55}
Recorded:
{"hour": 1, "minute": 29}
